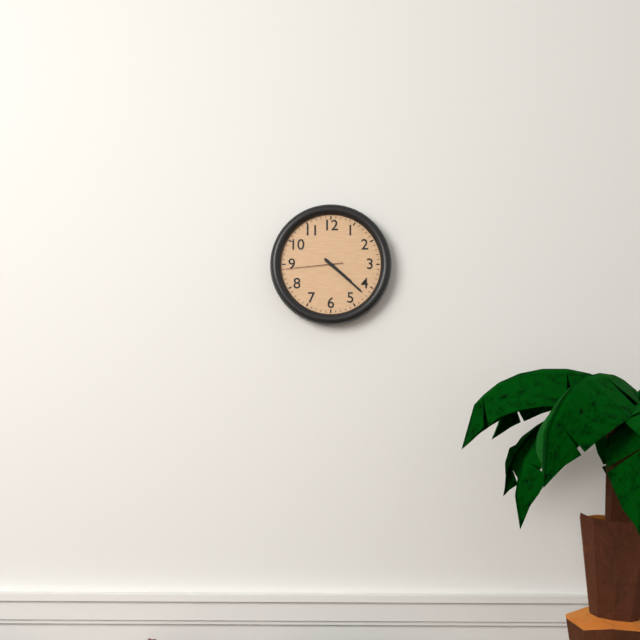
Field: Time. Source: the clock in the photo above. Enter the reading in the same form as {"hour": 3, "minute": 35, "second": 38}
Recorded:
{"hour": 4, "minute": 22, "second": 44}
